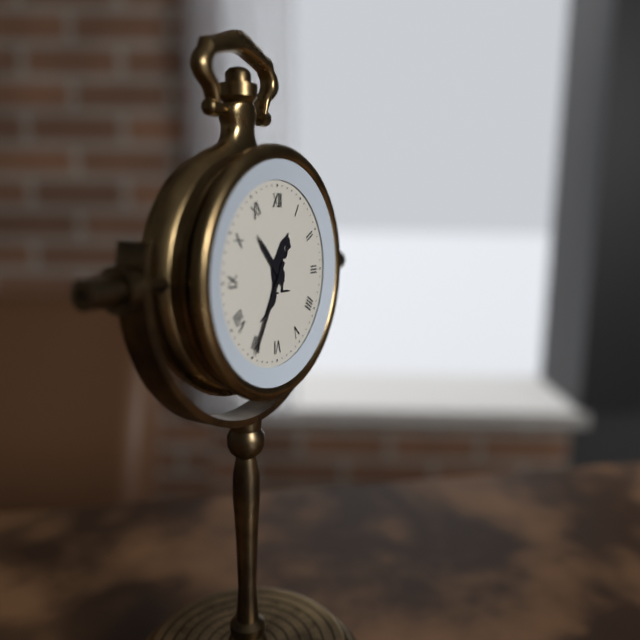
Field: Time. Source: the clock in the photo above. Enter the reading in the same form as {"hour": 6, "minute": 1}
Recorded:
{"hour": 10, "minute": 35}
